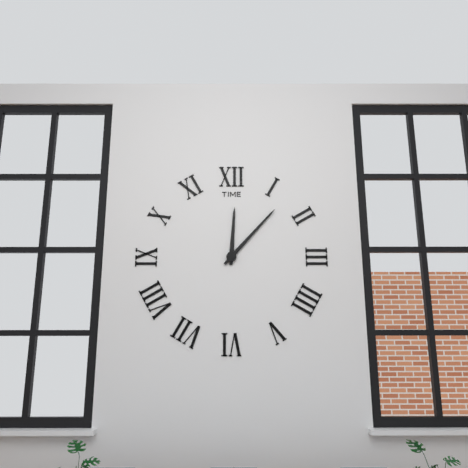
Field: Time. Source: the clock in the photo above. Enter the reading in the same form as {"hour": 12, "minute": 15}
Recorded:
{"hour": 12, "minute": 7}
